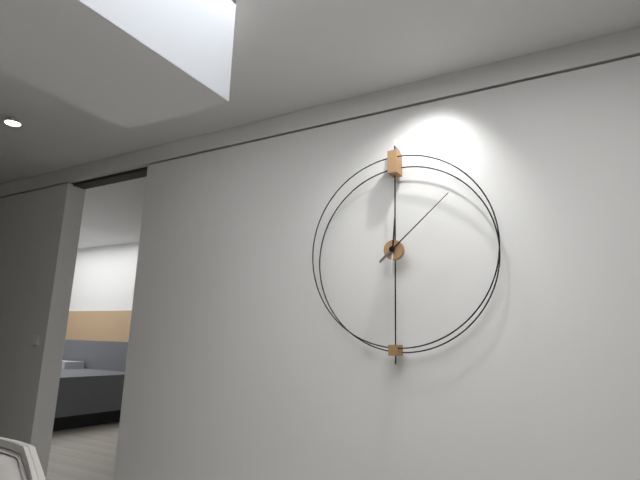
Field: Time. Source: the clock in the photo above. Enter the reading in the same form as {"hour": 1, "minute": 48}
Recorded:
{"hour": 12, "minute": 8}
